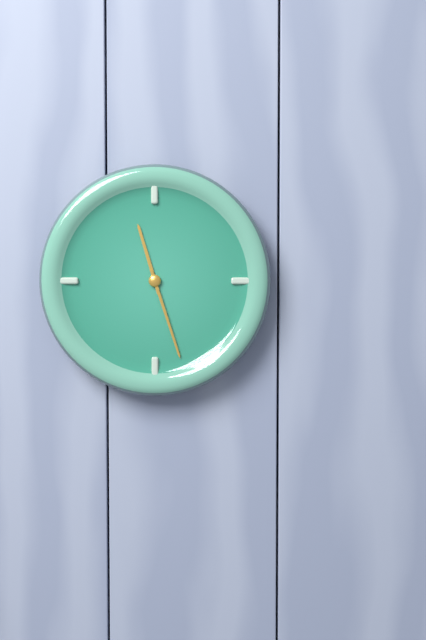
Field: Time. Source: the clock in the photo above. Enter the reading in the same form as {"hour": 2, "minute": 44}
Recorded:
{"hour": 11, "minute": 27}
